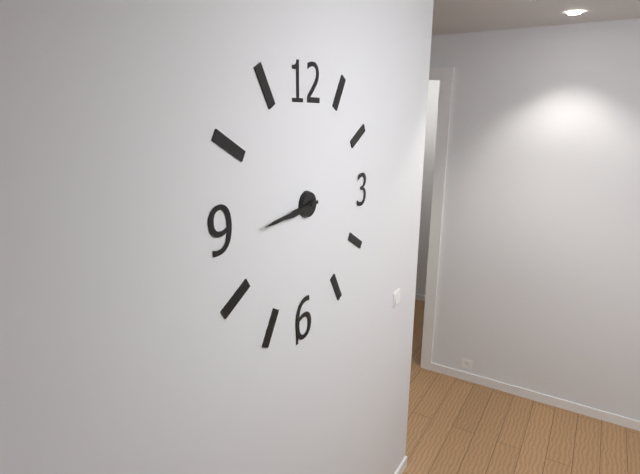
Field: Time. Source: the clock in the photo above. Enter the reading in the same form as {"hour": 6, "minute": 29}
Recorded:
{"hour": 8, "minute": 44}
